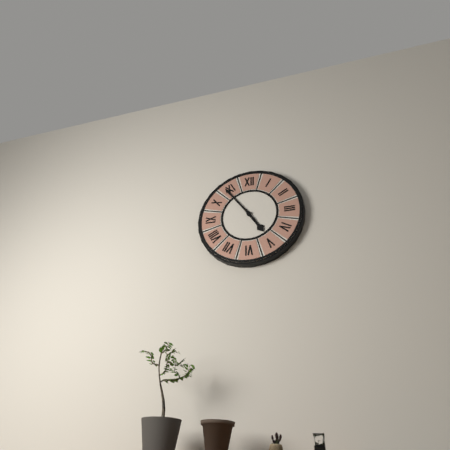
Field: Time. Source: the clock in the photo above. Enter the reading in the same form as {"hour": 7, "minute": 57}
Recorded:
{"hour": 4, "minute": 54}
